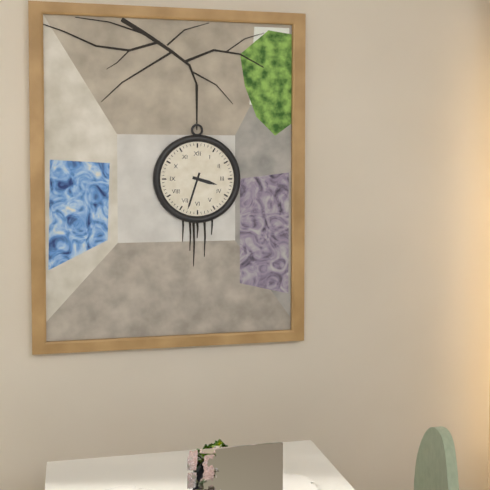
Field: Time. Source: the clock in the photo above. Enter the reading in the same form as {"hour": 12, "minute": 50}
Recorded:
{"hour": 3, "minute": 33}
